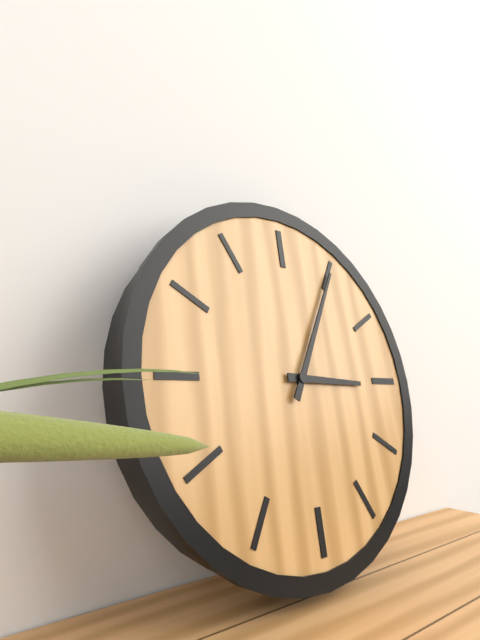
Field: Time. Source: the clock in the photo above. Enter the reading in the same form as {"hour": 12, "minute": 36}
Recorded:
{"hour": 3, "minute": 5}
